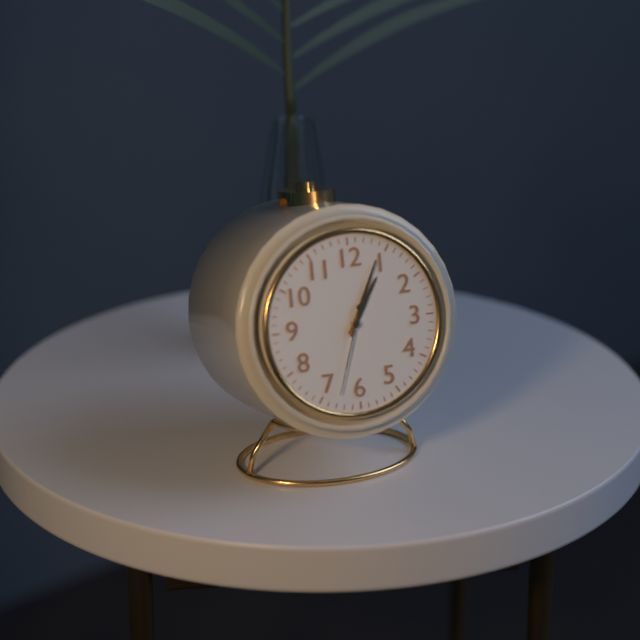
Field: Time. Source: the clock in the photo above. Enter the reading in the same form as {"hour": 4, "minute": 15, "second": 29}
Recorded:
{"hour": 1, "minute": 4, "second": 33}
